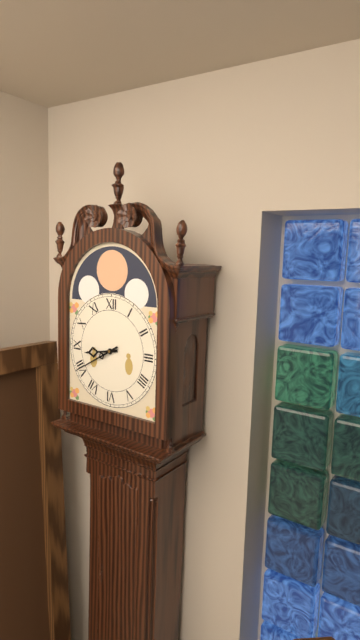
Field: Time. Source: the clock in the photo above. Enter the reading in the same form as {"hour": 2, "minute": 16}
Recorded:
{"hour": 8, "minute": 40}
